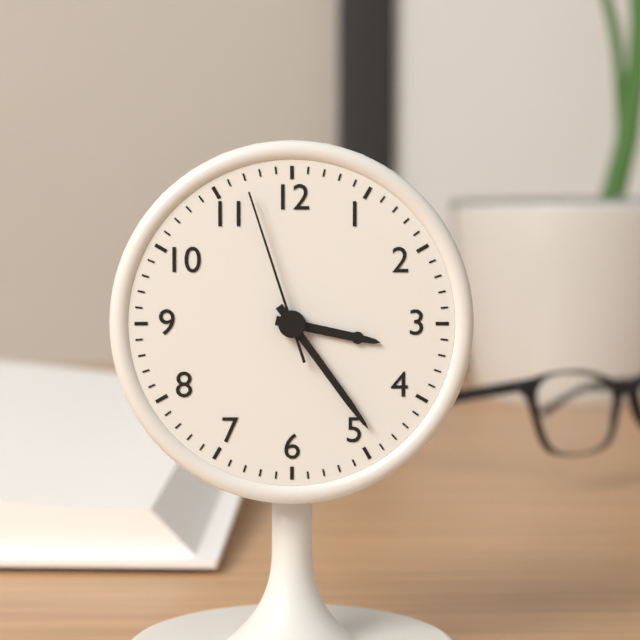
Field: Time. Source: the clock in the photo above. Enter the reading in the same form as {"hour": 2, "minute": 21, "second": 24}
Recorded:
{"hour": 3, "minute": 24, "second": 57}
